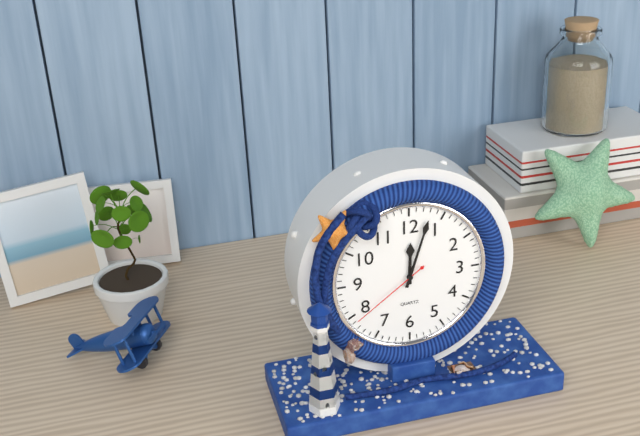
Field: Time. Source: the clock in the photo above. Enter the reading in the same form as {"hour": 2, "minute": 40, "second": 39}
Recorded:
{"hour": 12, "minute": 3, "second": 39}
